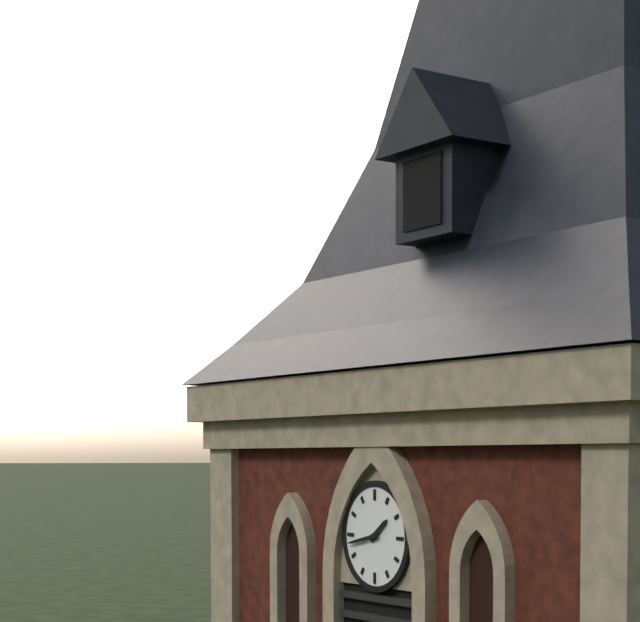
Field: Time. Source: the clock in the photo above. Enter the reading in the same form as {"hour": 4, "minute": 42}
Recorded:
{"hour": 1, "minute": 43}
